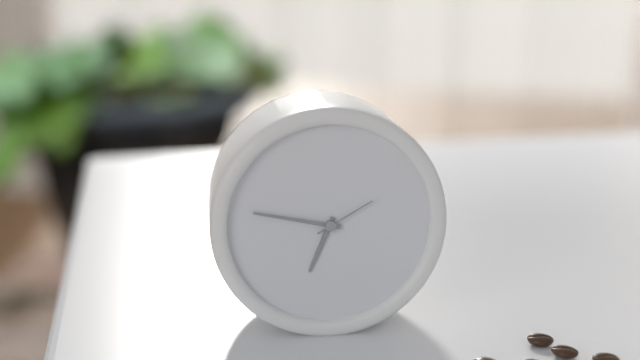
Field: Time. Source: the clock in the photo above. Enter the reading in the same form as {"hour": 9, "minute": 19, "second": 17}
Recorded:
{"hour": 6, "minute": 47, "second": 10}
